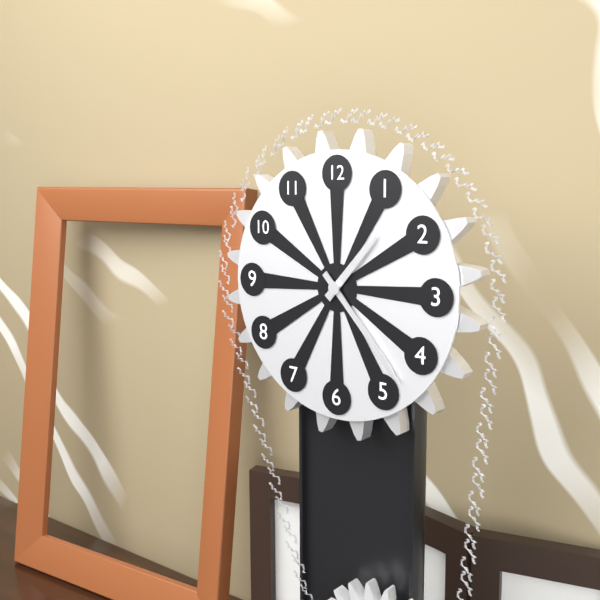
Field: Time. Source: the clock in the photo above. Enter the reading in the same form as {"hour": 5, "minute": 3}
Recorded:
{"hour": 1, "minute": 23}
